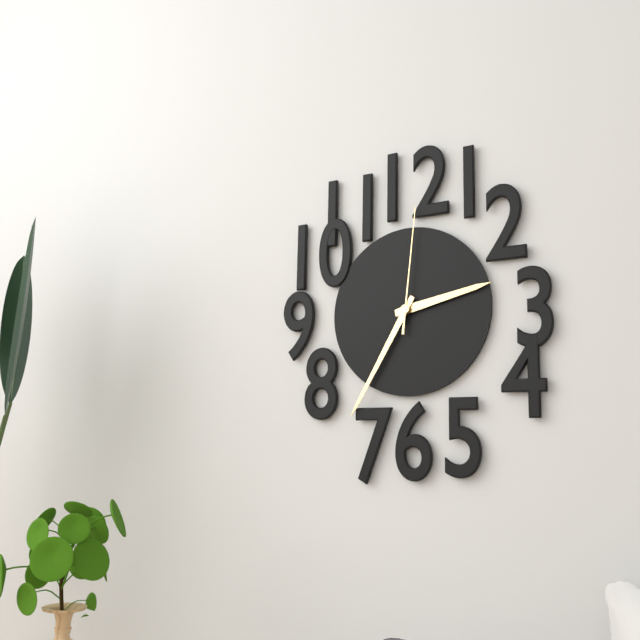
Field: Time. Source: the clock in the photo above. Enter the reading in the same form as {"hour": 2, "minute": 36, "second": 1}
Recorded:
{"hour": 2, "minute": 35, "second": 1}
